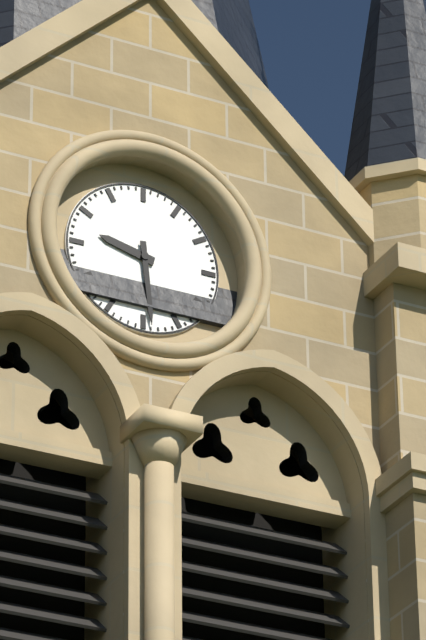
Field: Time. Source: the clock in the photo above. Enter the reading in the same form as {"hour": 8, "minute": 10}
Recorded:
{"hour": 9, "minute": 29}
